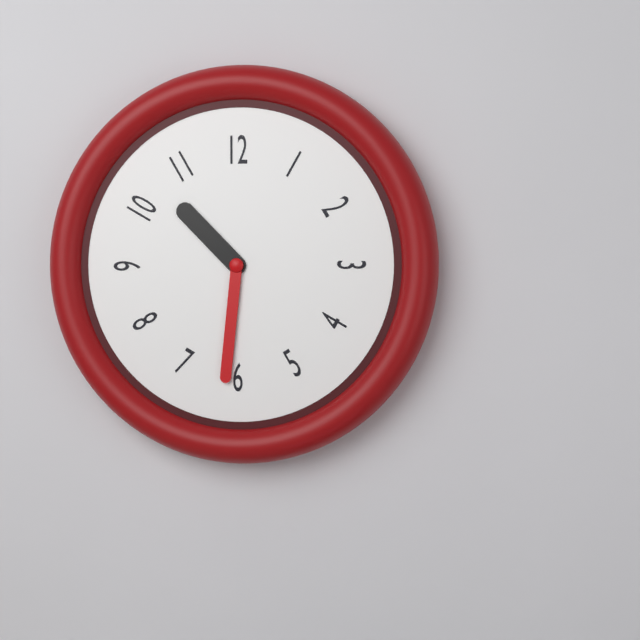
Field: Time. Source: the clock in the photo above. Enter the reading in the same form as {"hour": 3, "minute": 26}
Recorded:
{"hour": 10, "minute": 31}
